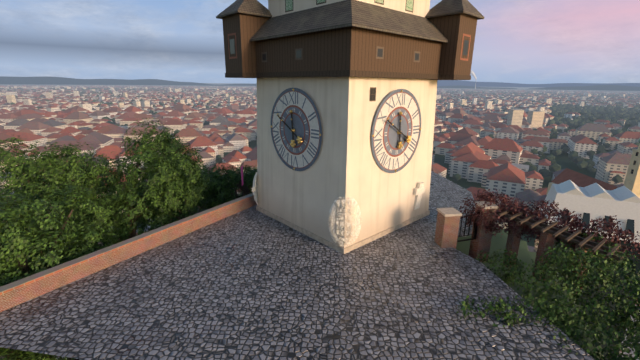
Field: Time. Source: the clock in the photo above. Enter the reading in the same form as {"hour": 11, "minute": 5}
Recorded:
{"hour": 11, "minute": 50}
